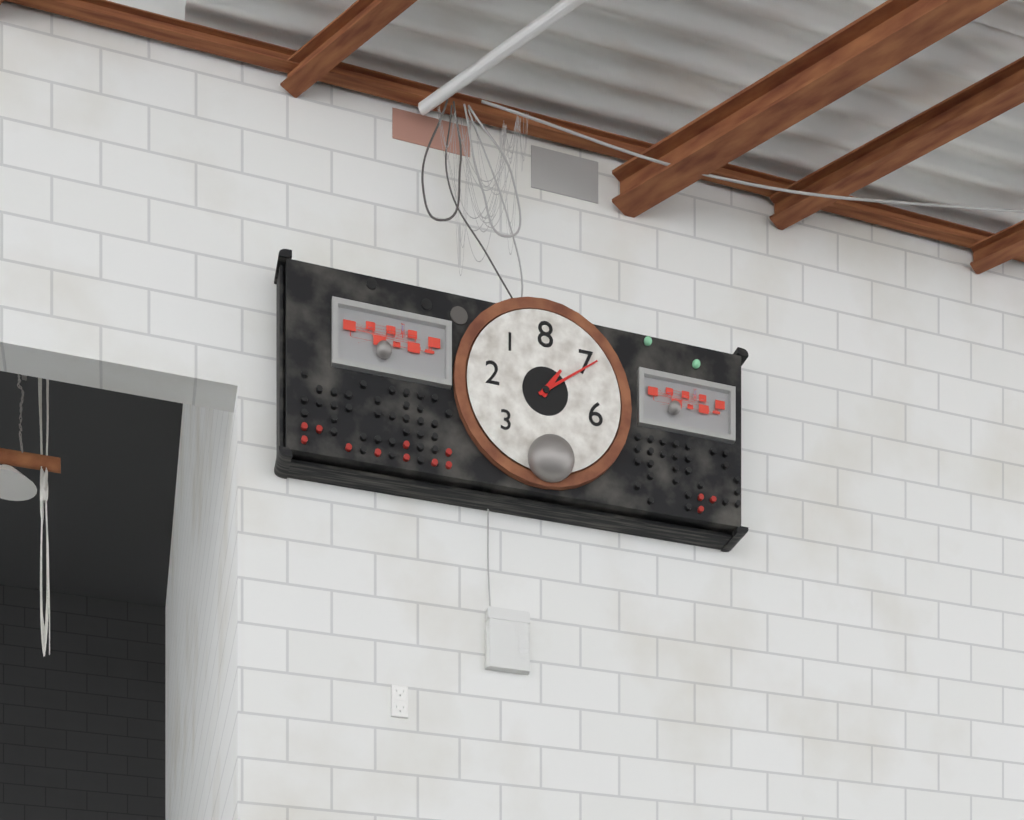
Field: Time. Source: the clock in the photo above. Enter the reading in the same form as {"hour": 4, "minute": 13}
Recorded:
{"hour": 1, "minute": 9}
